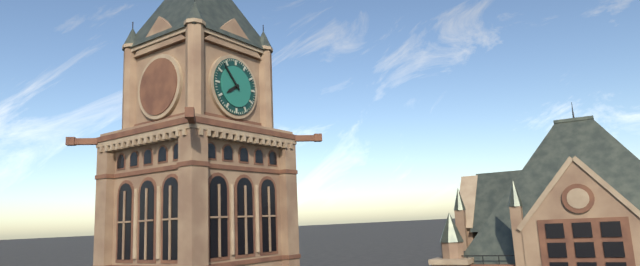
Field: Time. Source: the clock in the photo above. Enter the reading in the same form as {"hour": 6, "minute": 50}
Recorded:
{"hour": 7, "minute": 53}
